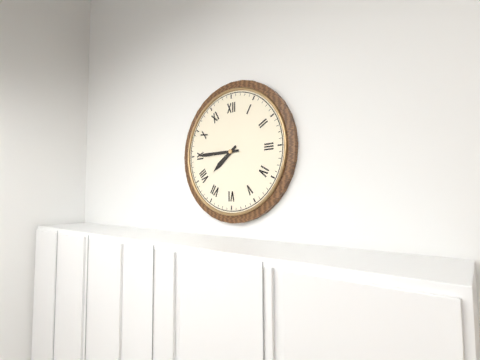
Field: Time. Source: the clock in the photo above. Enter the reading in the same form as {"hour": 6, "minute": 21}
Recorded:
{"hour": 7, "minute": 45}
